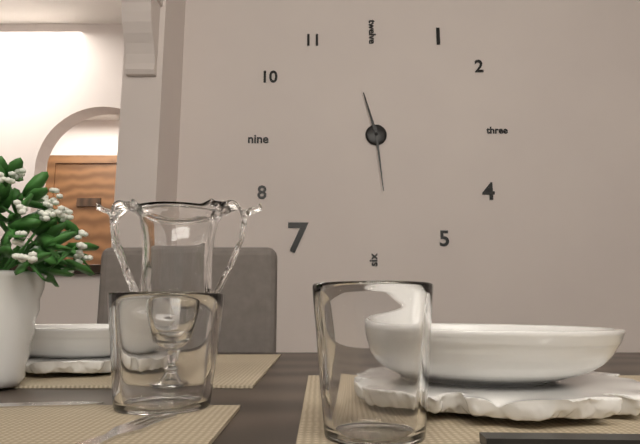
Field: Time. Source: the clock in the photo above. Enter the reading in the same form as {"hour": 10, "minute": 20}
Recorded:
{"hour": 11, "minute": 29}
